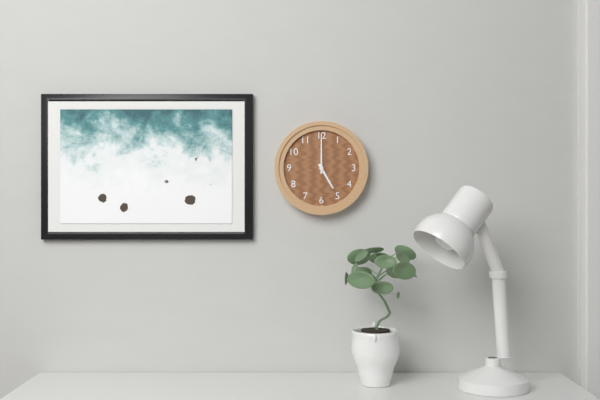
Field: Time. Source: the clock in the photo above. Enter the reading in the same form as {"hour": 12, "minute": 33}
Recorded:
{"hour": 5, "minute": 0}
